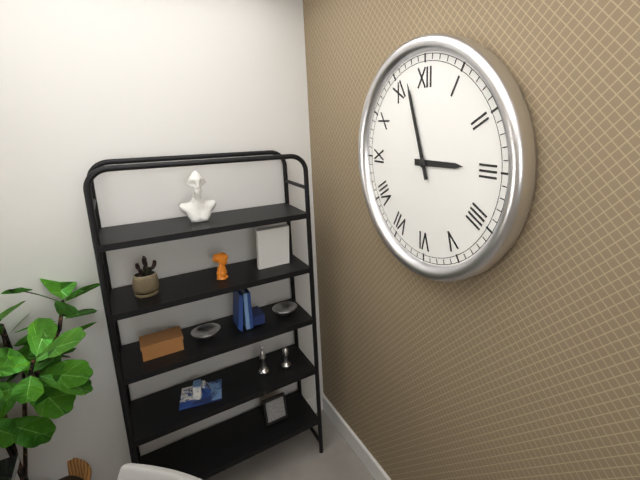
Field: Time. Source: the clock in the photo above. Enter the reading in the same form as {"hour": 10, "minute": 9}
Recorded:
{"hour": 2, "minute": 57}
